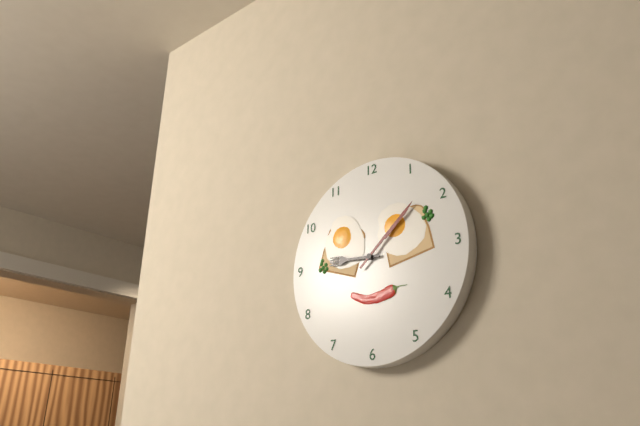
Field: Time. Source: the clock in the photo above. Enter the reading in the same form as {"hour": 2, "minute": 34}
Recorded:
{"hour": 9, "minute": 8}
